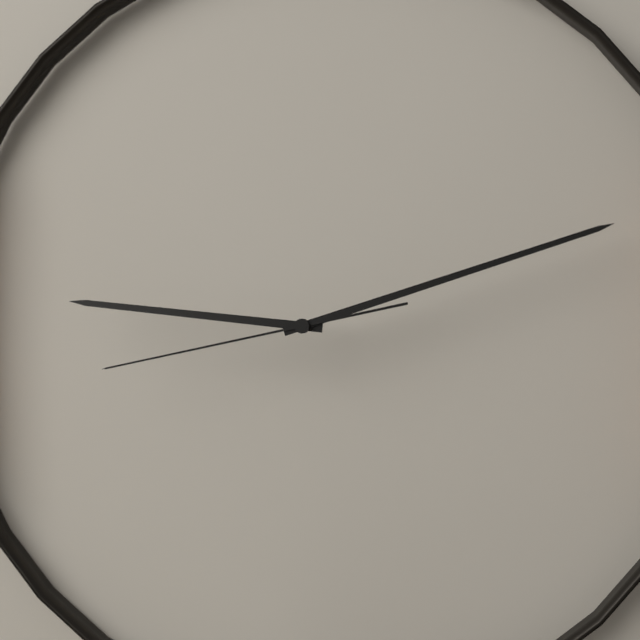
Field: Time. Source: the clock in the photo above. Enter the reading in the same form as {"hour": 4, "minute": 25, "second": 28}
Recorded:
{"hour": 9, "minute": 12, "second": 43}
